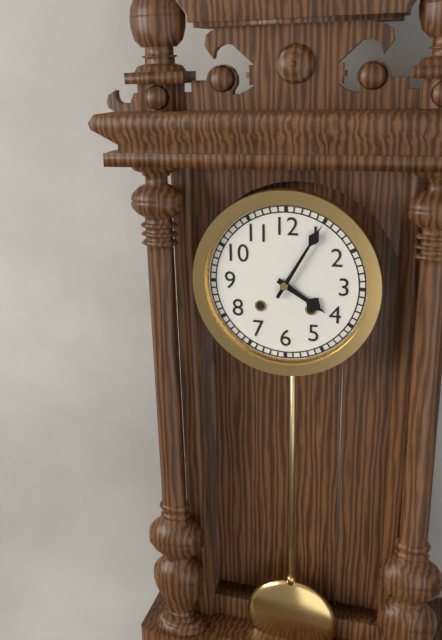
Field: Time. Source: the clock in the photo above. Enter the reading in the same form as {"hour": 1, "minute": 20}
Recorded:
{"hour": 4, "minute": 5}
